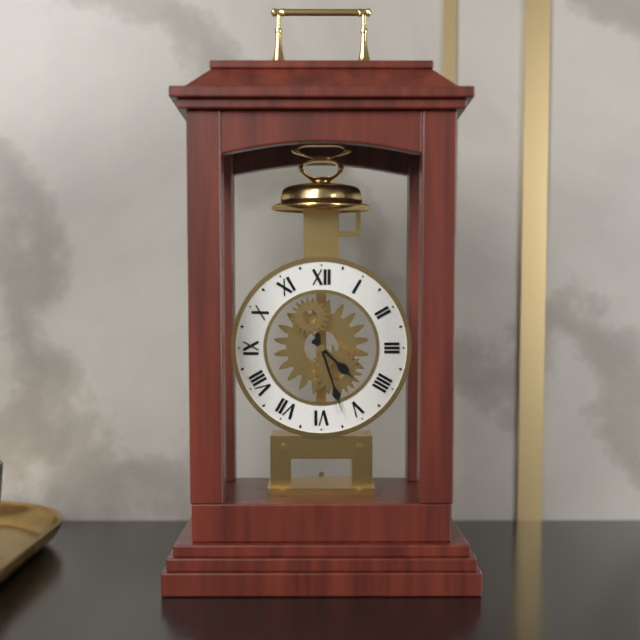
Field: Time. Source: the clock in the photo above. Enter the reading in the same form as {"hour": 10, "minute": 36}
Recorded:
{"hour": 4, "minute": 27}
